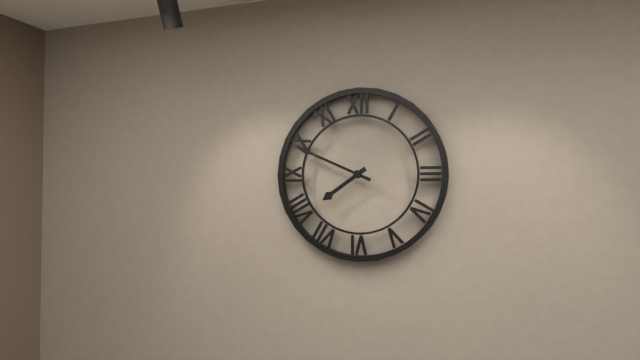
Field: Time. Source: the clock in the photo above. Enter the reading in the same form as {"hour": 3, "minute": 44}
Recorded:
{"hour": 7, "minute": 49}
